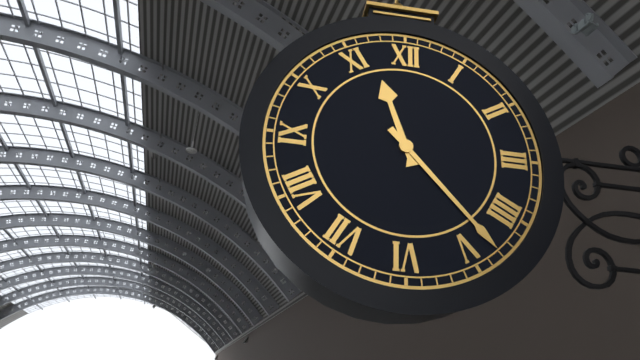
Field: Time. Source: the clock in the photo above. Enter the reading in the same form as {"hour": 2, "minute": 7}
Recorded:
{"hour": 11, "minute": 23}
